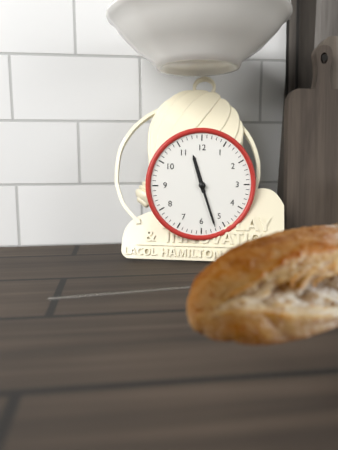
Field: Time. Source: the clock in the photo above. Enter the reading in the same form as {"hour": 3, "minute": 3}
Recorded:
{"hour": 11, "minute": 27}
